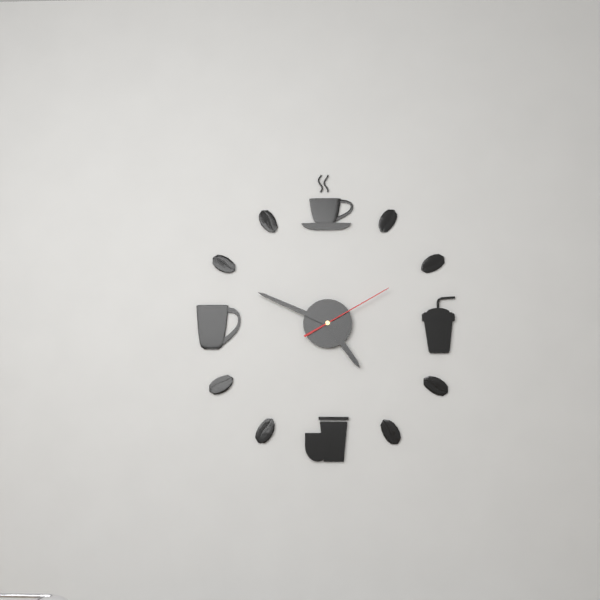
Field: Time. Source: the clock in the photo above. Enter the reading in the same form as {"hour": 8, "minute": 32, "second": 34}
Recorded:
{"hour": 4, "minute": 49, "second": 10}
